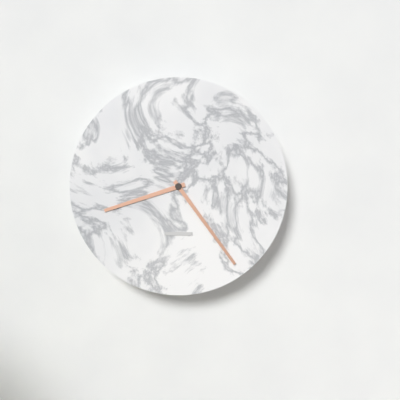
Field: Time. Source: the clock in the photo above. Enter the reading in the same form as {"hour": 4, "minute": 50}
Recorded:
{"hour": 8, "minute": 24}
